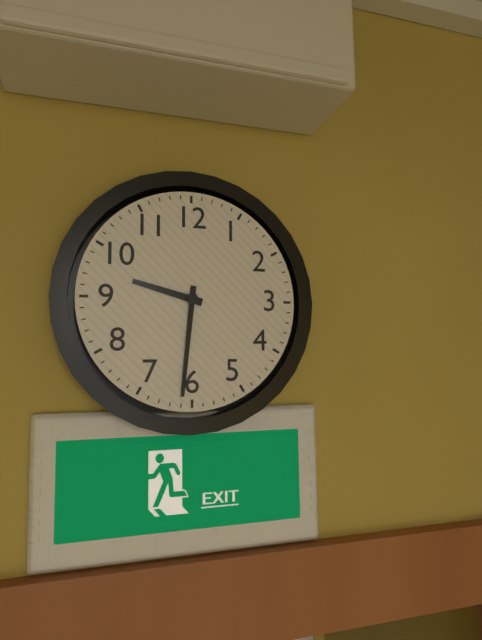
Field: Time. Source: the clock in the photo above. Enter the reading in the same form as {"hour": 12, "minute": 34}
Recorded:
{"hour": 9, "minute": 31}
